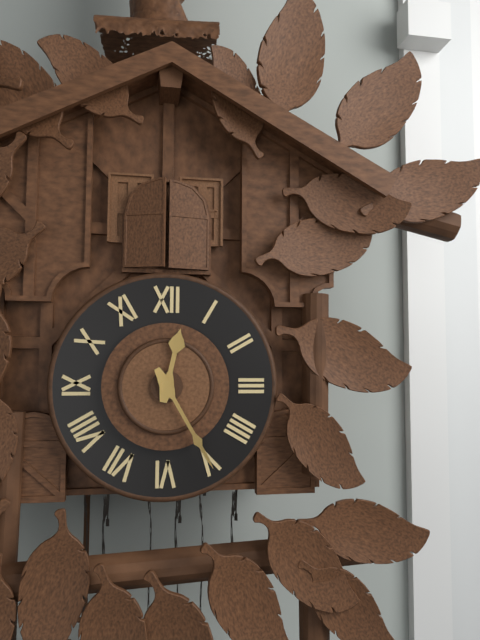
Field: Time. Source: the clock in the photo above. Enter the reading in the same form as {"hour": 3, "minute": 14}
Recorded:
{"hour": 12, "minute": 25}
